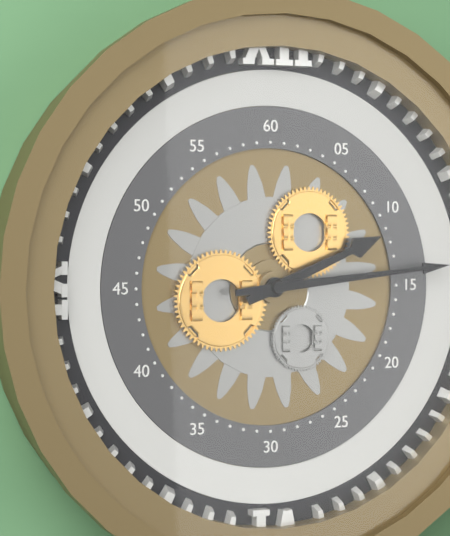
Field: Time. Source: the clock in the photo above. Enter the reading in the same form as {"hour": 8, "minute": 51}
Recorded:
{"hour": 2, "minute": 14}
